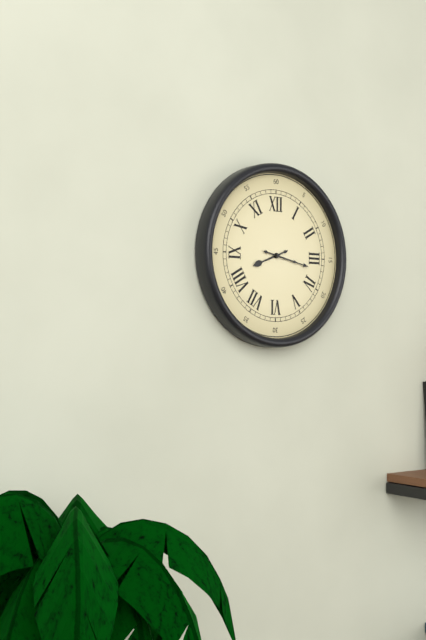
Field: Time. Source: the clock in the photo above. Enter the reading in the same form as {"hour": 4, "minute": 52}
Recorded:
{"hour": 8, "minute": 17}
